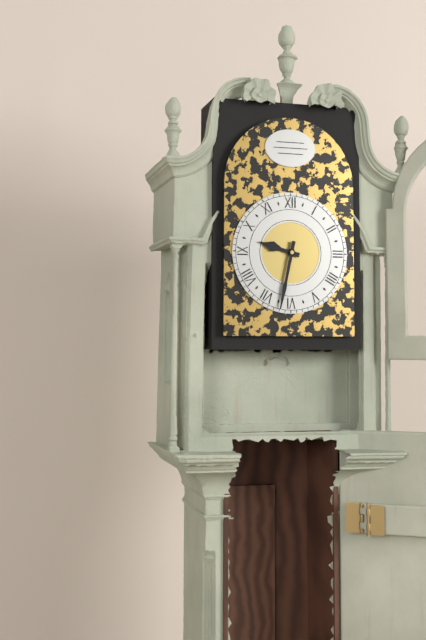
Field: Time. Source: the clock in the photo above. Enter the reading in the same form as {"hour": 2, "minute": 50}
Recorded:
{"hour": 9, "minute": 32}
